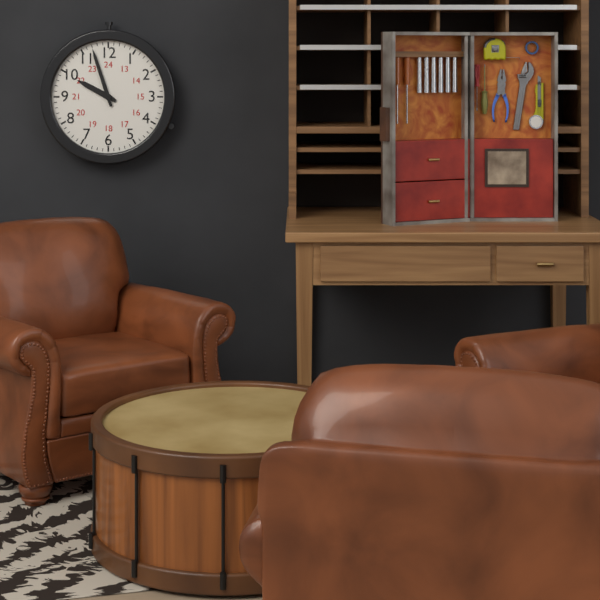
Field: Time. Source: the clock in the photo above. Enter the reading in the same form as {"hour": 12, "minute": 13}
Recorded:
{"hour": 9, "minute": 57}
